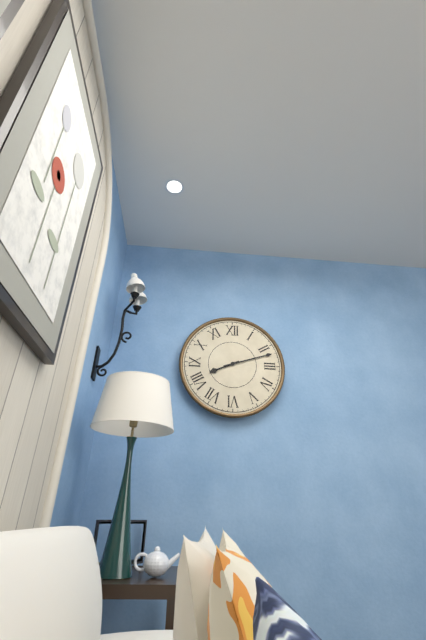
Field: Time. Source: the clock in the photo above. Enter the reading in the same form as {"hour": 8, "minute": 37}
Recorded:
{"hour": 8, "minute": 12}
